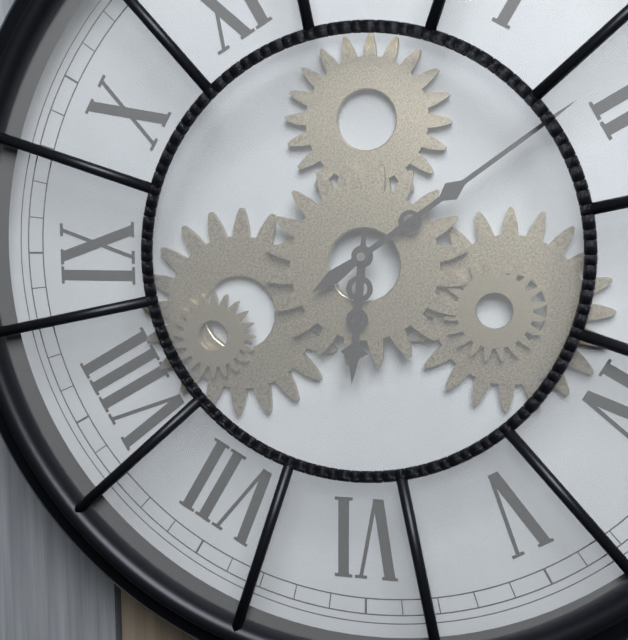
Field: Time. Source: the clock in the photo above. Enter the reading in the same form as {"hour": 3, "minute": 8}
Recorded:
{"hour": 6, "minute": 9}
